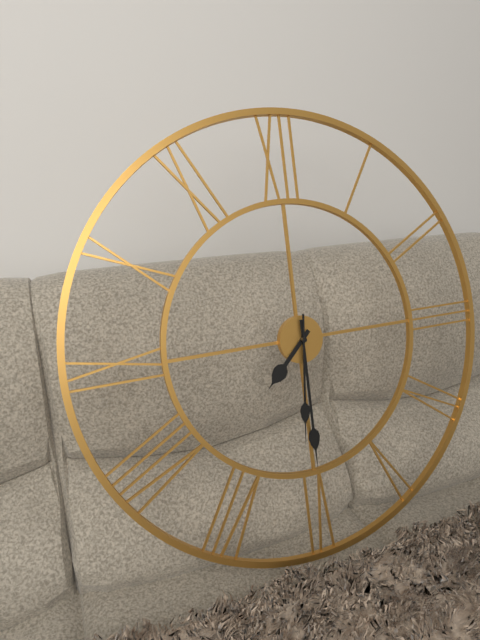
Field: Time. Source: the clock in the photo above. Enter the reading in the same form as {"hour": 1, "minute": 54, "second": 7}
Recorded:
{"hour": 7, "minute": 30, "second": 31}
